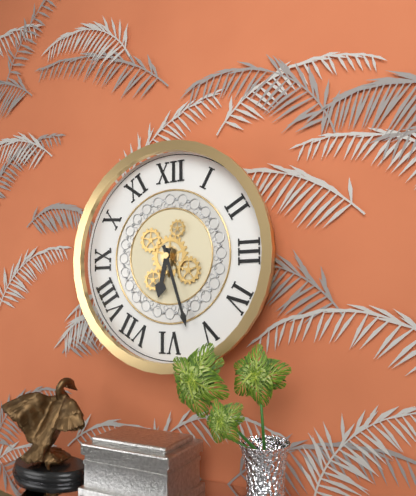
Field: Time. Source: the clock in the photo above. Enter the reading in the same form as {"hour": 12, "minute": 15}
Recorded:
{"hour": 6, "minute": 27}
